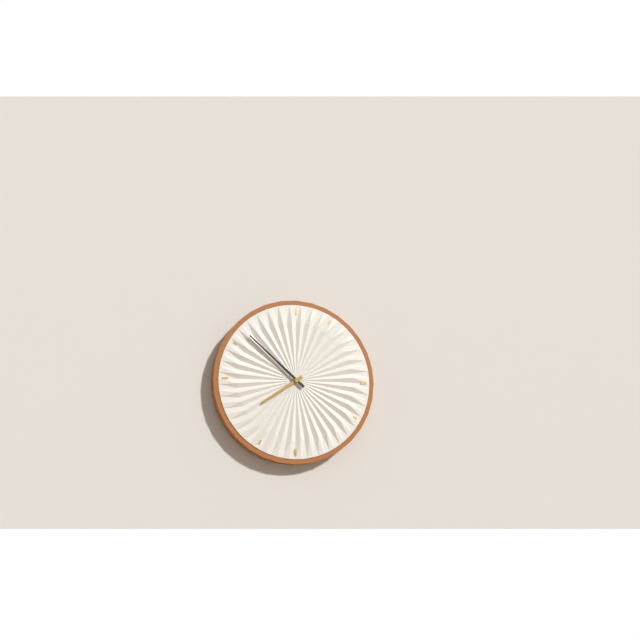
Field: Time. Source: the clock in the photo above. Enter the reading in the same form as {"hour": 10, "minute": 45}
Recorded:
{"hour": 7, "minute": 52}
